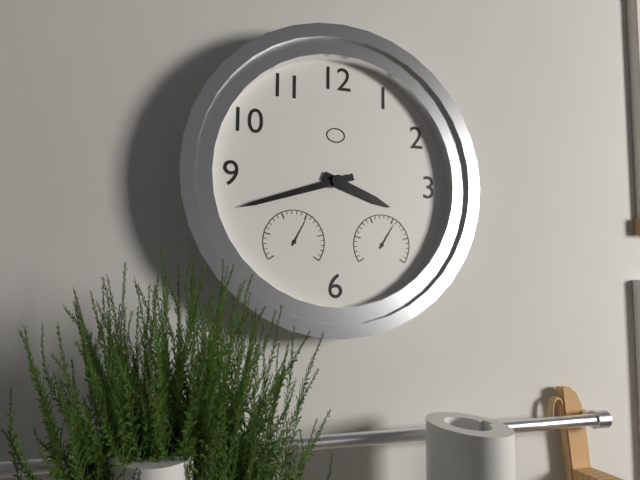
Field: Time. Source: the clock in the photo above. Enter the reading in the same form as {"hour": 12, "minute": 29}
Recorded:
{"hour": 3, "minute": 42}
